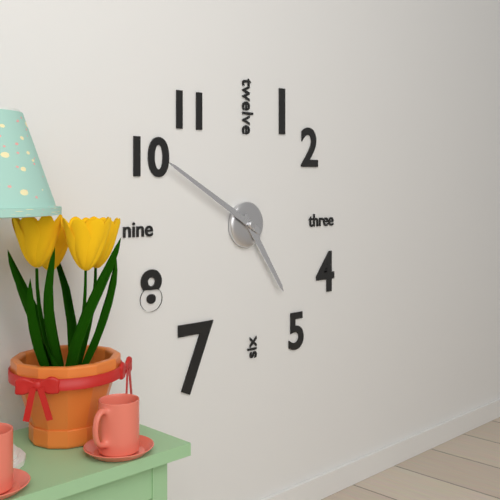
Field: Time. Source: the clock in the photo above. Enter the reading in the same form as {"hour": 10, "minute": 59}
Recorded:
{"hour": 4, "minute": 50}
